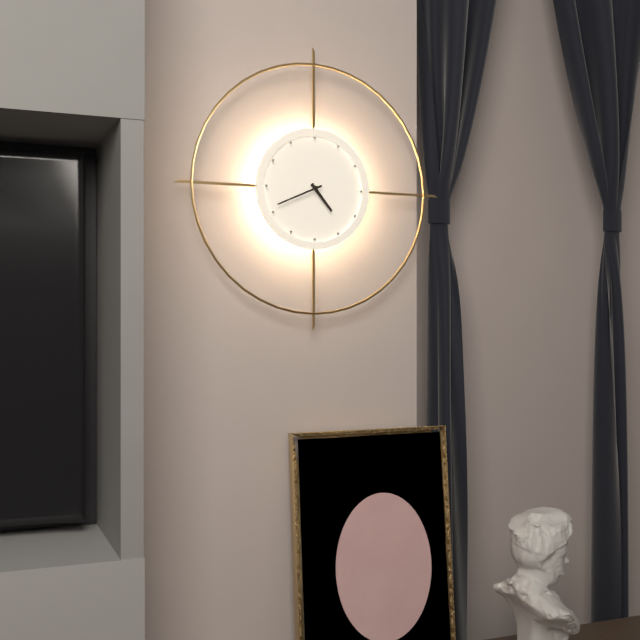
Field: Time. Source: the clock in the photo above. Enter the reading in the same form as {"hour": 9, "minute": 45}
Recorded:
{"hour": 4, "minute": 41}
